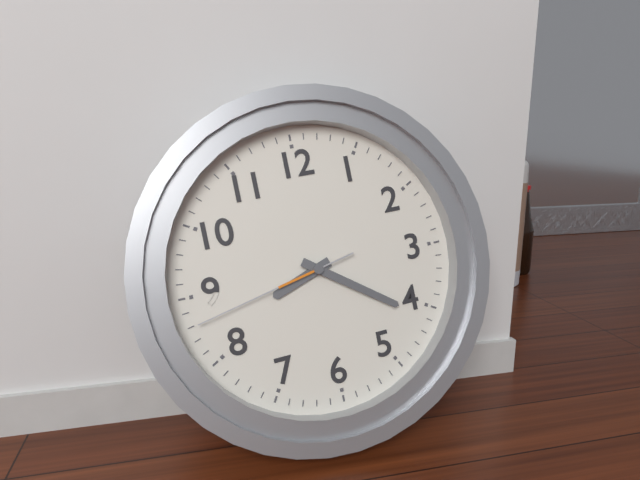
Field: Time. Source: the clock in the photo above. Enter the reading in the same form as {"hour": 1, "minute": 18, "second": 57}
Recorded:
{"hour": 8, "minute": 21, "second": 43}
